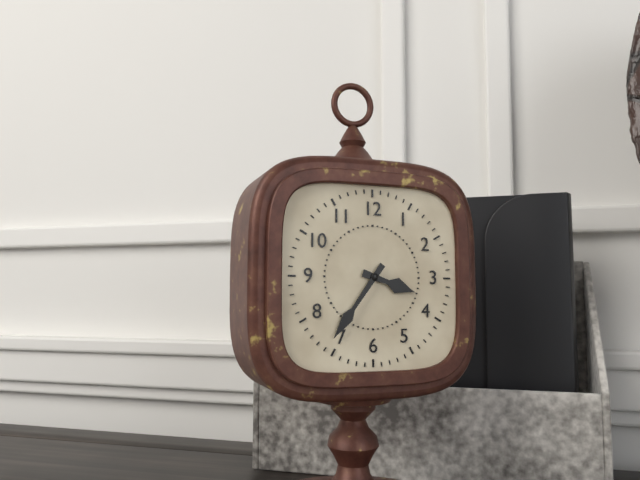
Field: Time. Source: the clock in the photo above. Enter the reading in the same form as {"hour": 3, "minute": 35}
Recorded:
{"hour": 3, "minute": 36}
